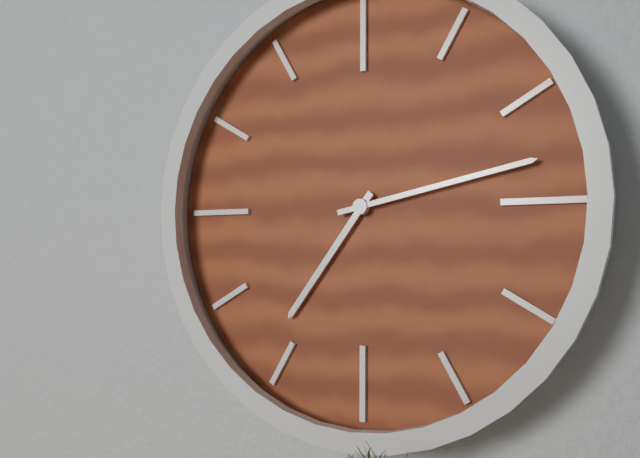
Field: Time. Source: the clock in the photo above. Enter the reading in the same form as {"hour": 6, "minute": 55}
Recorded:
{"hour": 7, "minute": 13}
